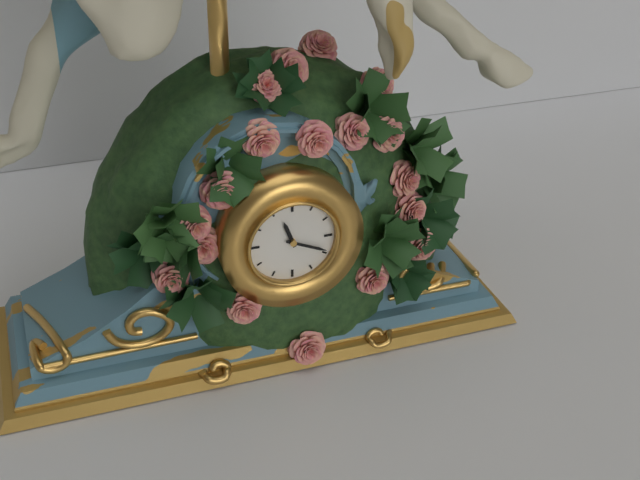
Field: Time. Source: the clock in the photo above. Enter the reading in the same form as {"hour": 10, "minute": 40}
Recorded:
{"hour": 11, "minute": 19}
